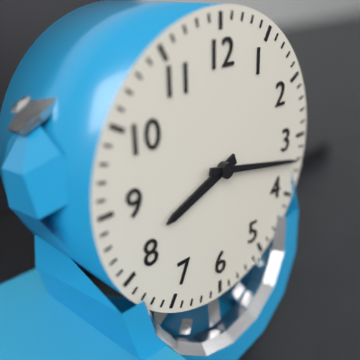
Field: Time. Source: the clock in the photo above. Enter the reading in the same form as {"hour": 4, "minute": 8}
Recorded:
{"hour": 8, "minute": 17}
